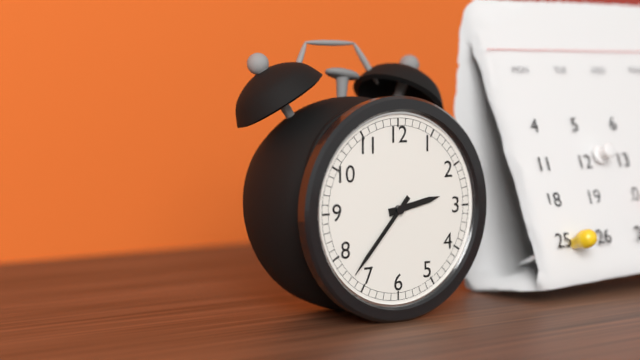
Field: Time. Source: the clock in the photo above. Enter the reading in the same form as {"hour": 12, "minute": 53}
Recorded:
{"hour": 2, "minute": 37}
